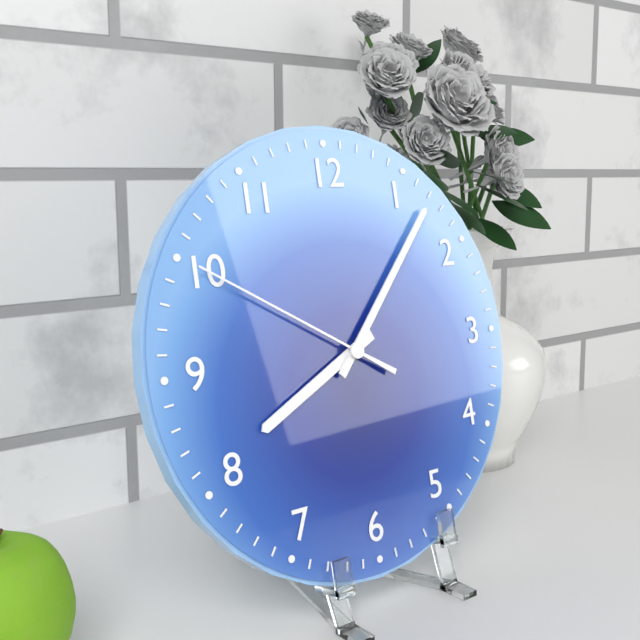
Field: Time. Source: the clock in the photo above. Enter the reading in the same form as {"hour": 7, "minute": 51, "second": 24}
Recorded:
{"hour": 8, "minute": 7, "second": 50}
